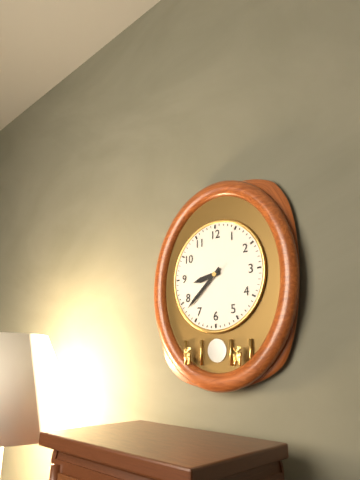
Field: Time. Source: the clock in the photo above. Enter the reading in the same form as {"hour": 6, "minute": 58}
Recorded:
{"hour": 8, "minute": 38}
